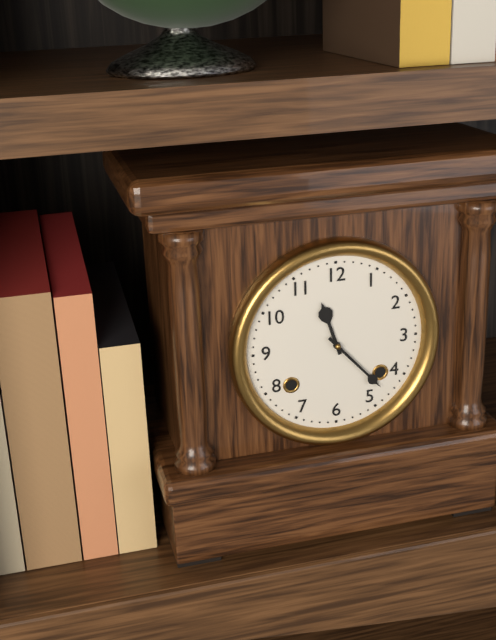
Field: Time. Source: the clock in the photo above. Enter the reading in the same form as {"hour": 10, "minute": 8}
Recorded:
{"hour": 11, "minute": 23}
